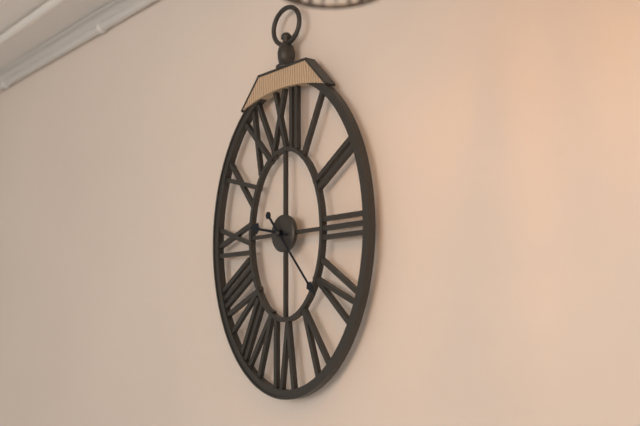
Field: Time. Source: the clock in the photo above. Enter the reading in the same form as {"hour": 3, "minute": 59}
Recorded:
{"hour": 9, "minute": 23}
